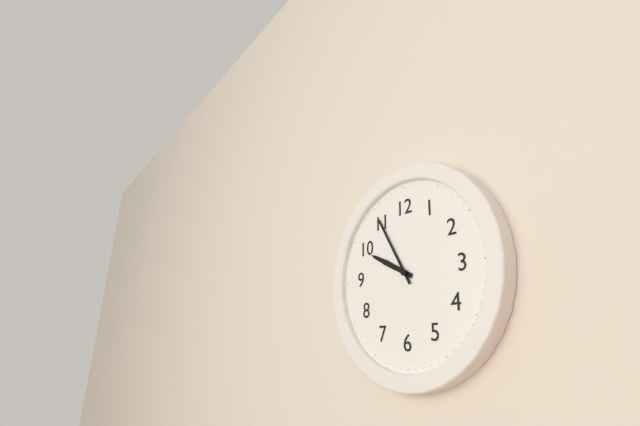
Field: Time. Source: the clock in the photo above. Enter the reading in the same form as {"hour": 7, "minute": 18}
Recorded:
{"hour": 9, "minute": 55}
